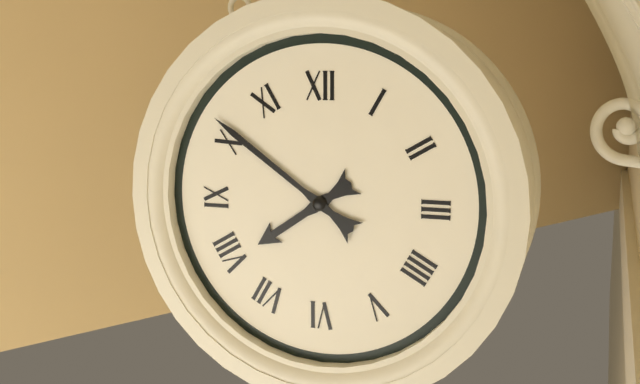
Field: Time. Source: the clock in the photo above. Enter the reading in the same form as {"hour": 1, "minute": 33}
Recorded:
{"hour": 7, "minute": 51}
